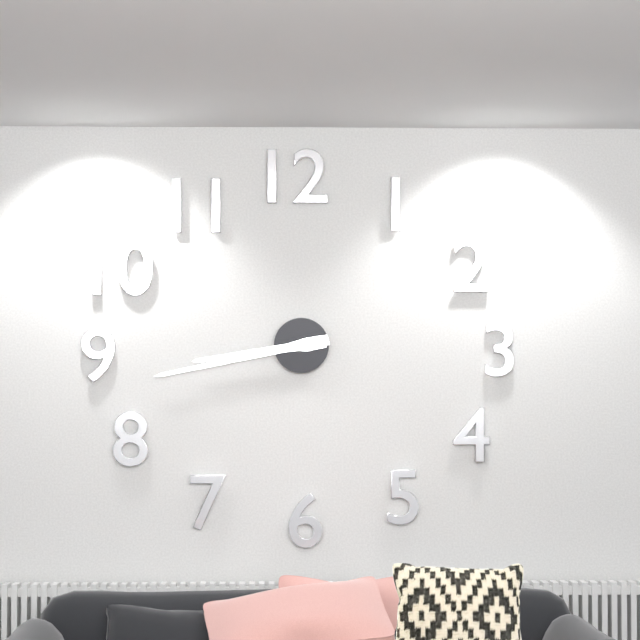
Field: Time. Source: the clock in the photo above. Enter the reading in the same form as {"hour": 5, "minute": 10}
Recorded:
{"hour": 8, "minute": 43}
